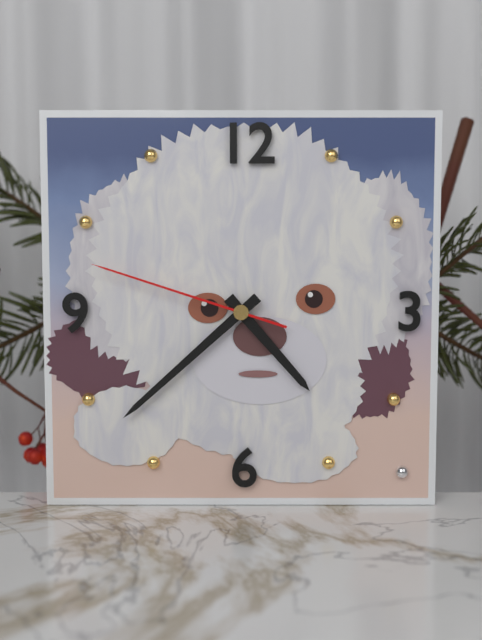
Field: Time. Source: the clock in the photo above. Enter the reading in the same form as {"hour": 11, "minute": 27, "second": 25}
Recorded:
{"hour": 4, "minute": 38, "second": 48}
